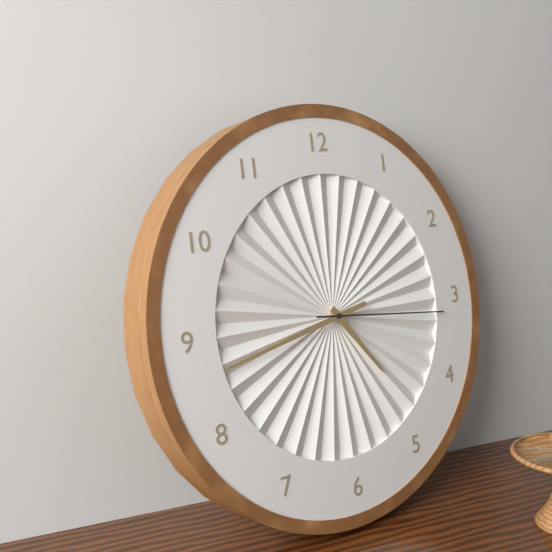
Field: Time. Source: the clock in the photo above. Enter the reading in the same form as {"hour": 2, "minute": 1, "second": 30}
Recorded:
{"hour": 4, "minute": 43, "second": 16}
